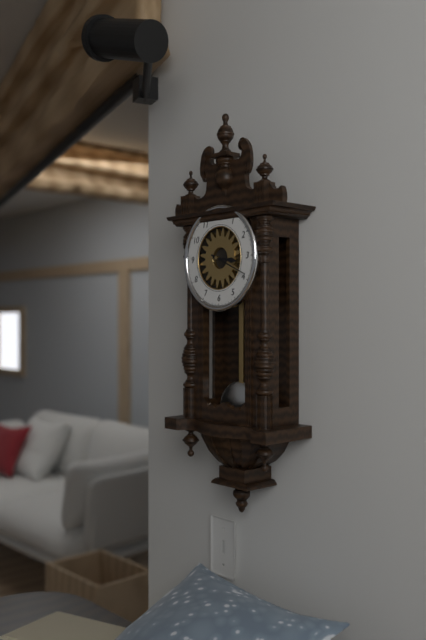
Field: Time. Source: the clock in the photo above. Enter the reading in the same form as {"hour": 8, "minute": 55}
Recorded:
{"hour": 3, "minute": 19}
